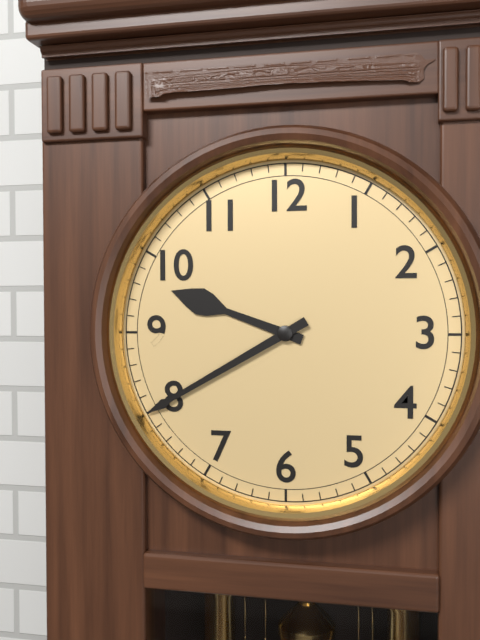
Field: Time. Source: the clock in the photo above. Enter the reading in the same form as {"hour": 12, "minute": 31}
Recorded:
{"hour": 9, "minute": 40}
